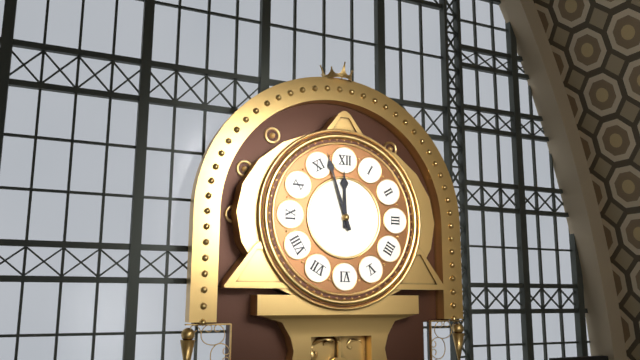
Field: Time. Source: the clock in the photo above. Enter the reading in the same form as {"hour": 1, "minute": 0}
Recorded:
{"hour": 11, "minute": 57}
